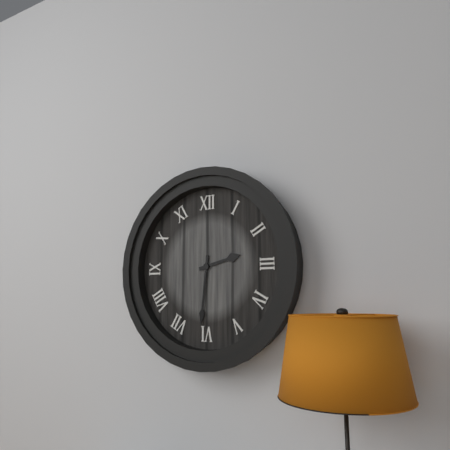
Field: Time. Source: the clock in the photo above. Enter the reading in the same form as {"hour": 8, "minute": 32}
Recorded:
{"hour": 2, "minute": 31}
